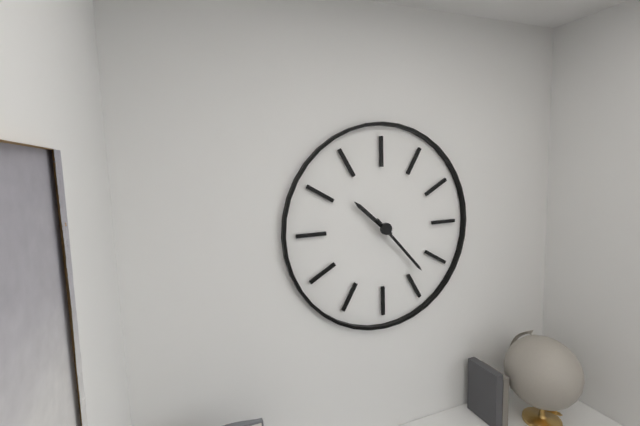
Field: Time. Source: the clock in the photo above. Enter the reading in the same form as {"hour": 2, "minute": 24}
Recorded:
{"hour": 10, "minute": 23}
